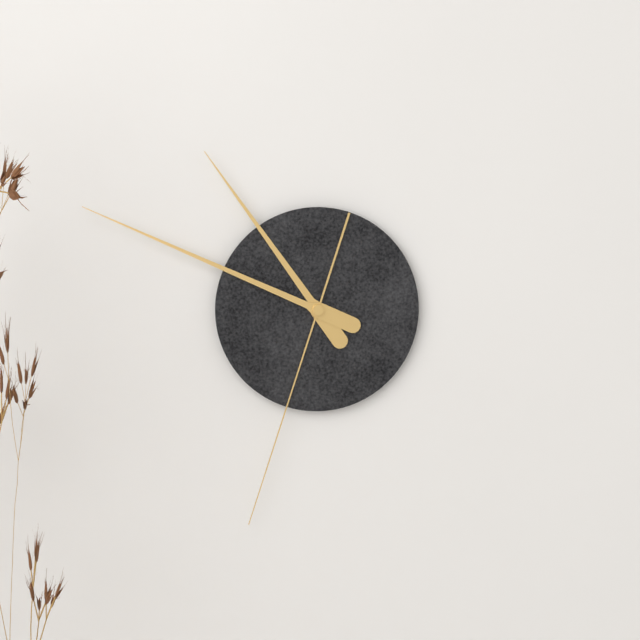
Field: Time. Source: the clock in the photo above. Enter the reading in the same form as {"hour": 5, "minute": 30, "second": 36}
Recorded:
{"hour": 10, "minute": 49, "second": 33}
